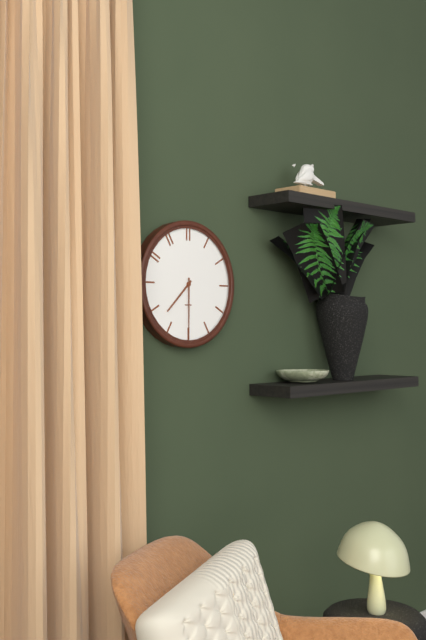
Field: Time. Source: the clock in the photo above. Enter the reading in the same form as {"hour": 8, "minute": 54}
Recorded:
{"hour": 7, "minute": 30}
